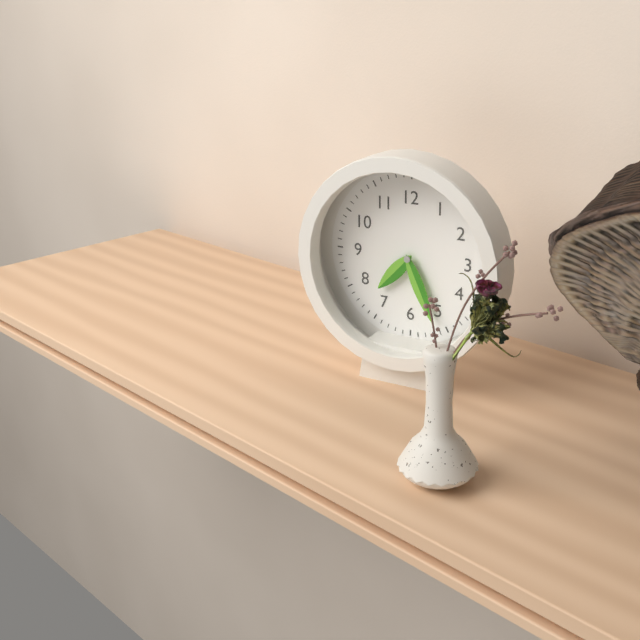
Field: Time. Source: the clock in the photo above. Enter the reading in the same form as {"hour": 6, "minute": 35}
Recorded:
{"hour": 7, "minute": 26}
